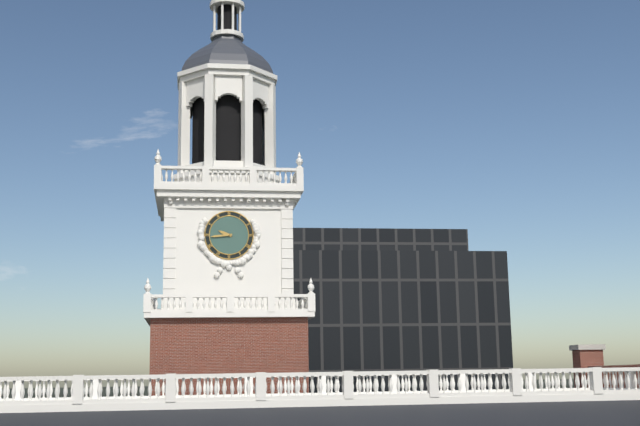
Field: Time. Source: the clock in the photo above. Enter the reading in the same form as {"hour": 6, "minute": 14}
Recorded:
{"hour": 9, "minute": 44}
